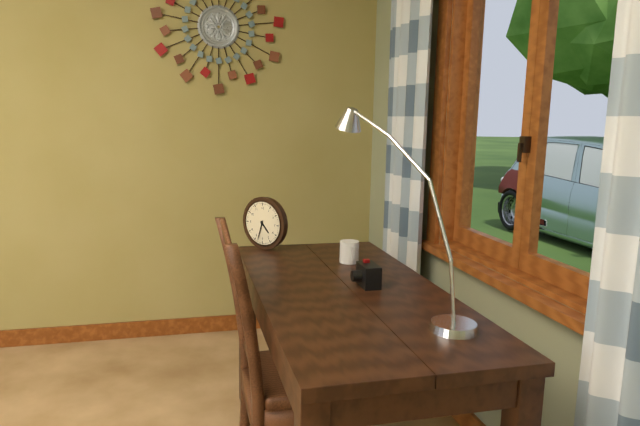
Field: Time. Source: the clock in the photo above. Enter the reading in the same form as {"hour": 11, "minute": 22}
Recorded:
{"hour": 4, "minute": 33}
